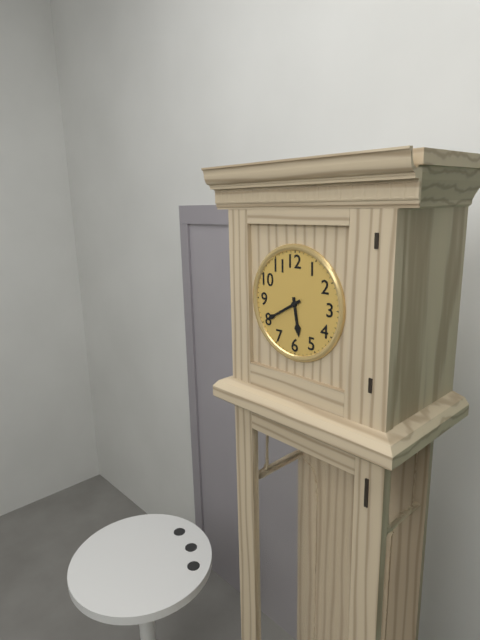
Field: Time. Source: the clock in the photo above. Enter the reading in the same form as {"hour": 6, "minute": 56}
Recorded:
{"hour": 5, "minute": 40}
